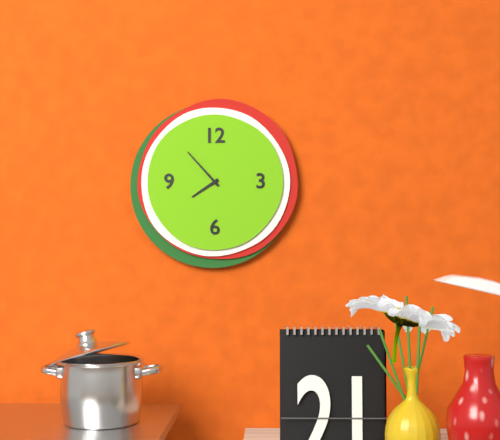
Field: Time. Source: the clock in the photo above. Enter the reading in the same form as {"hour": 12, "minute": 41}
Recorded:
{"hour": 7, "minute": 53}
